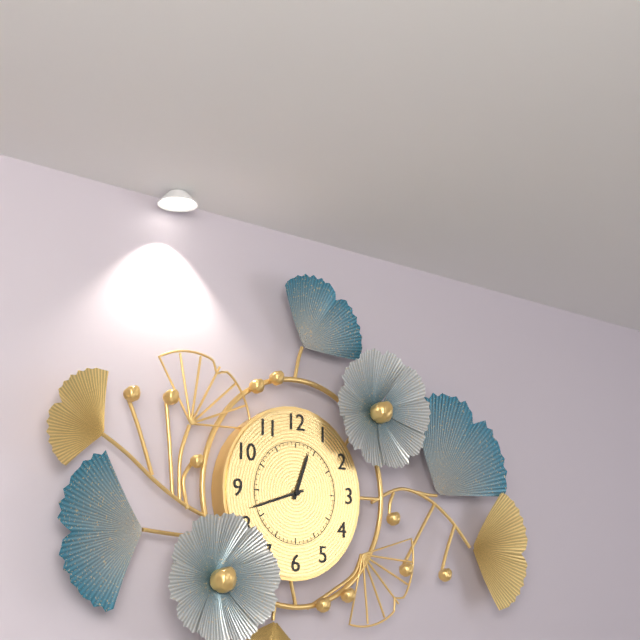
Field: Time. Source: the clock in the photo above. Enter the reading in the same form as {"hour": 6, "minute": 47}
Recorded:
{"hour": 12, "minute": 42}
